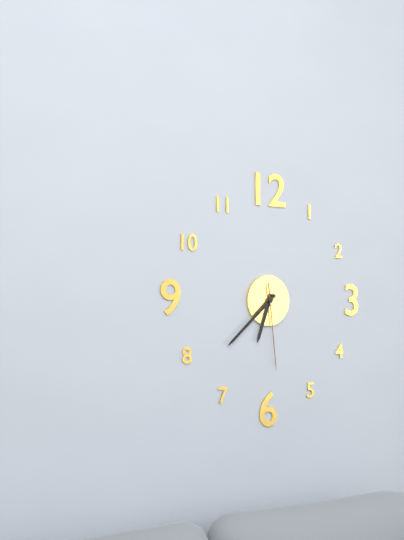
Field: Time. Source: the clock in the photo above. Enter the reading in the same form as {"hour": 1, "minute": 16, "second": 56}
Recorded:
{"hour": 6, "minute": 38, "second": 29}
